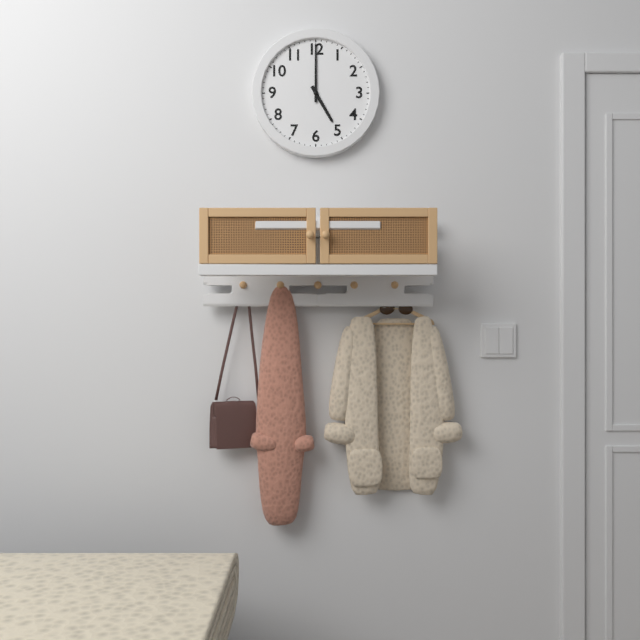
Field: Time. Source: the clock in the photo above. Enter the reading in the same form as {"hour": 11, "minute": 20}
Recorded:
{"hour": 5, "minute": 0}
